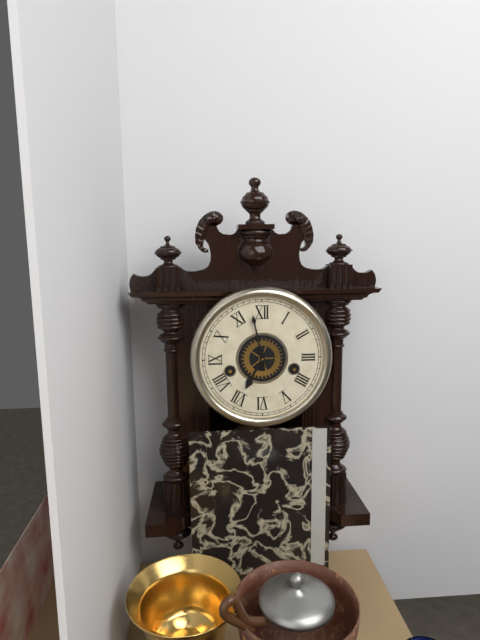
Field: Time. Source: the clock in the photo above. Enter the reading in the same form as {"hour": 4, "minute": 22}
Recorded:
{"hour": 6, "minute": 58}
